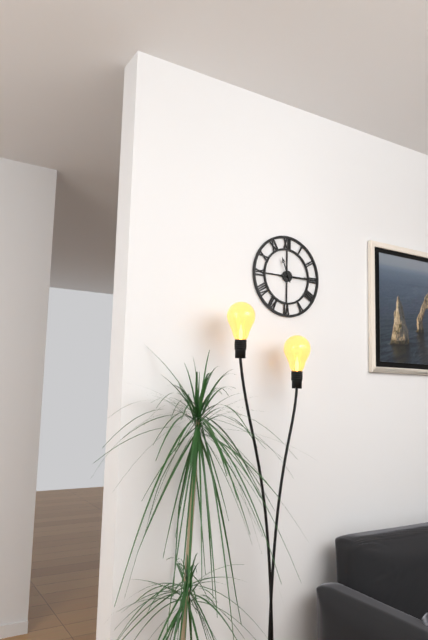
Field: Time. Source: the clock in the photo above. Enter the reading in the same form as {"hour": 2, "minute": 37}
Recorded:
{"hour": 11, "minute": 15}
